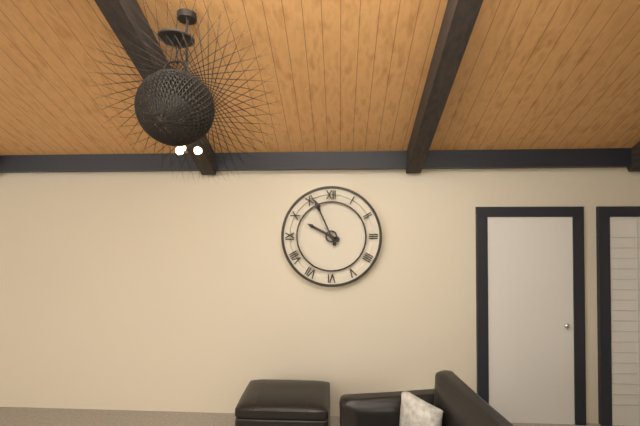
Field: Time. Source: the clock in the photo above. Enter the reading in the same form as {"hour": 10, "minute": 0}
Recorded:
{"hour": 9, "minute": 56}
